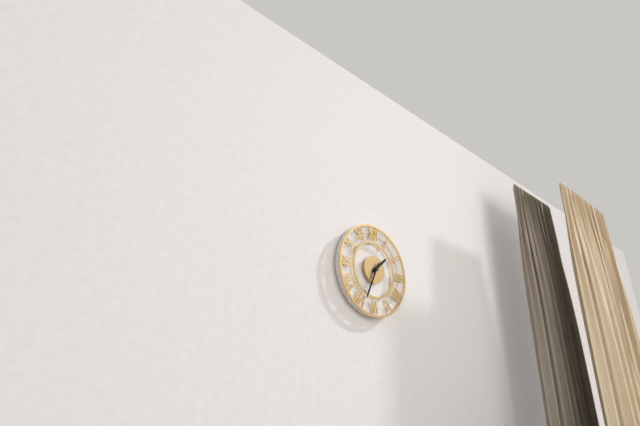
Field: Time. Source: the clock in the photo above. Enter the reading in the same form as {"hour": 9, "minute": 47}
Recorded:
{"hour": 1, "minute": 34}
